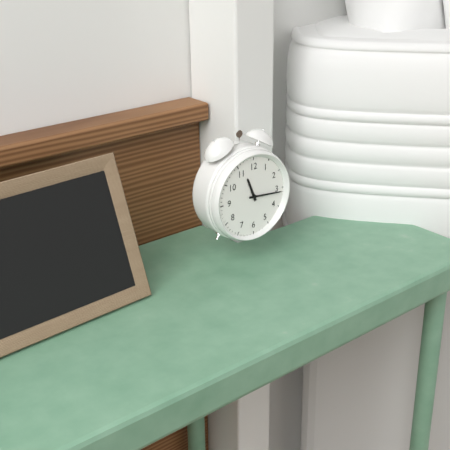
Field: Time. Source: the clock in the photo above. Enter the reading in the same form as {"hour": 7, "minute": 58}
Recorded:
{"hour": 11, "minute": 16}
